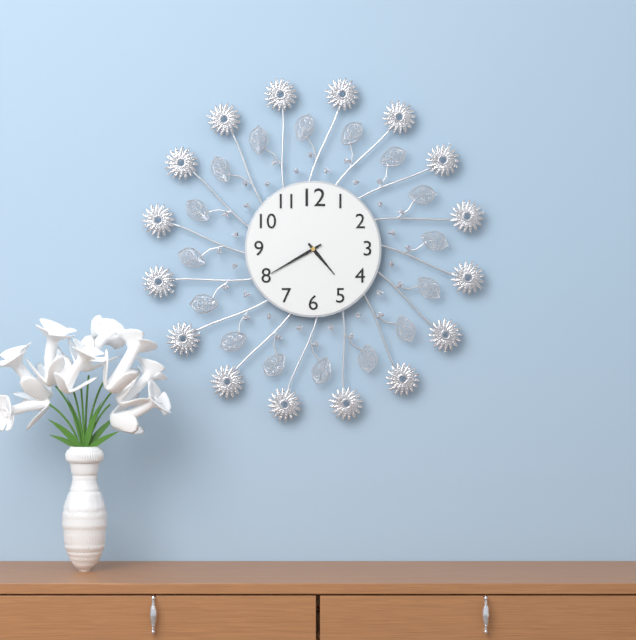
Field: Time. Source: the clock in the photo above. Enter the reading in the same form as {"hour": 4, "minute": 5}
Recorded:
{"hour": 4, "minute": 40}
